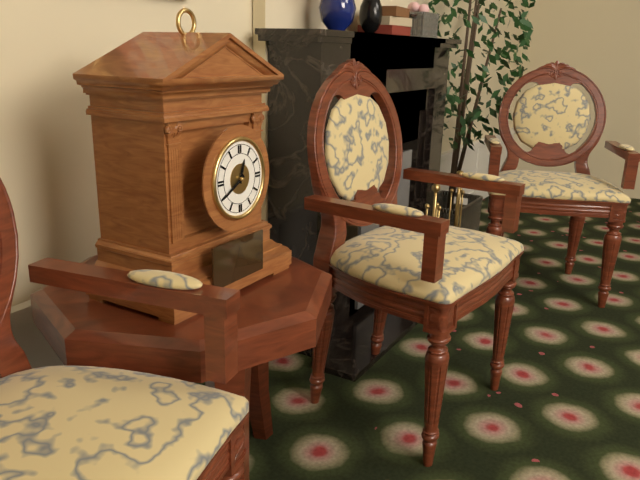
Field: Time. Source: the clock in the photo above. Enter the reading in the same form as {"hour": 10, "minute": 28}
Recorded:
{"hour": 12, "minute": 40}
